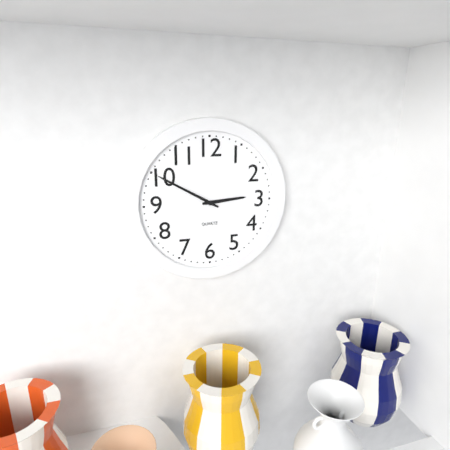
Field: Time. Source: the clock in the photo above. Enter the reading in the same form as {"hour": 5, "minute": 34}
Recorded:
{"hour": 2, "minute": 50}
